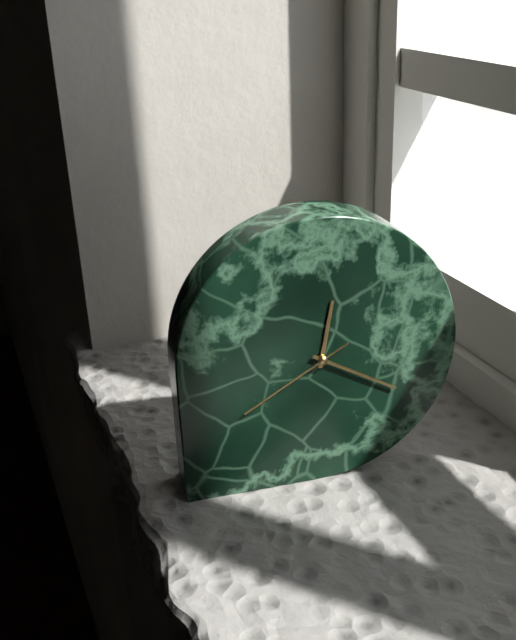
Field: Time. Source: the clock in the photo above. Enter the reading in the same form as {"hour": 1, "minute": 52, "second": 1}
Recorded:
{"hour": 12, "minute": 20, "second": 40}
